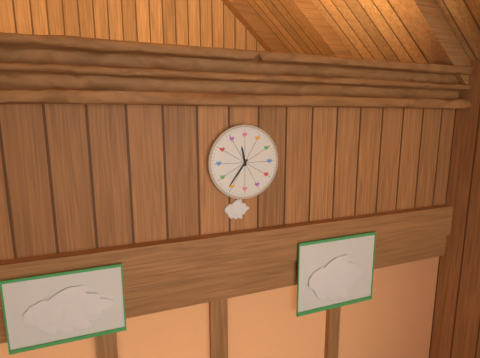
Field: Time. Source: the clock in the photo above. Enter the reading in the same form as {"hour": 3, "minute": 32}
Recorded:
{"hour": 11, "minute": 36}
